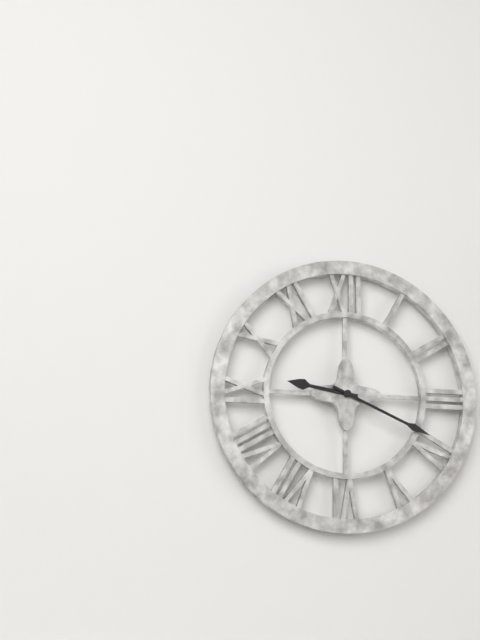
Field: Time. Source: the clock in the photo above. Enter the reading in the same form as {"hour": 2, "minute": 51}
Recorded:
{"hour": 9, "minute": 19}
